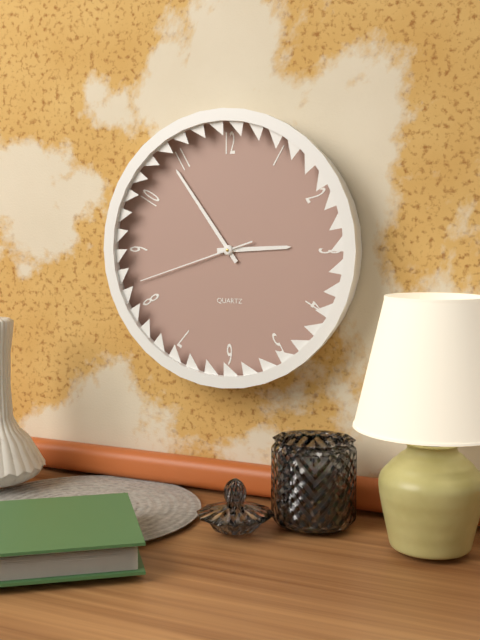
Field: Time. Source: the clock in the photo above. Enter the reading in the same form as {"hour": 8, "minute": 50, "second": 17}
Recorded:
{"hour": 2, "minute": 54, "second": 42}
